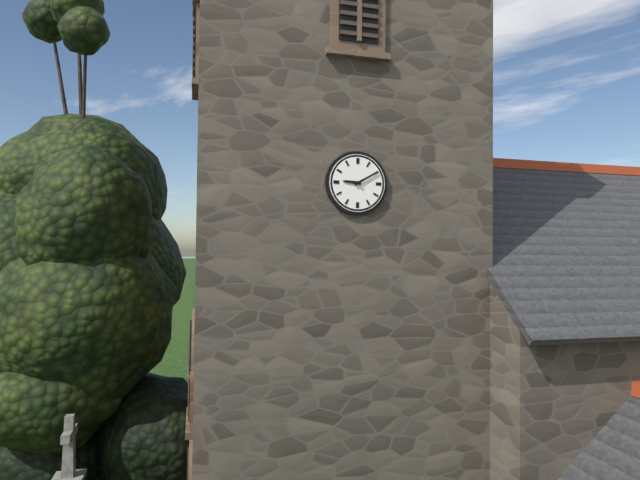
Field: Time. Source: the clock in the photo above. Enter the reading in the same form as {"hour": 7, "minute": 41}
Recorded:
{"hour": 9, "minute": 10}
